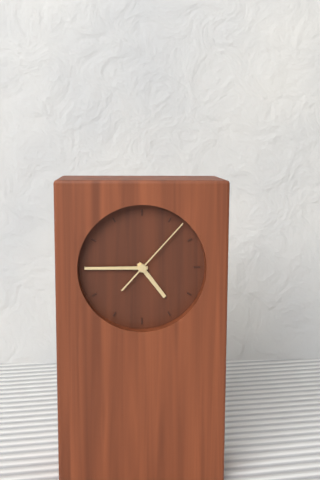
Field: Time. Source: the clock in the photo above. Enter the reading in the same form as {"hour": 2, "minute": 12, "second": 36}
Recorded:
{"hour": 4, "minute": 45, "second": 7}
